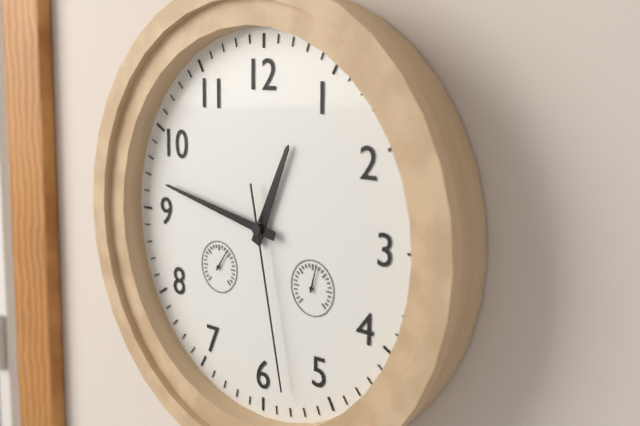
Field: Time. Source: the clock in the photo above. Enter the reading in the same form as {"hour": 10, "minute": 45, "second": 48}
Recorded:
{"hour": 12, "minute": 47, "second": 28}
